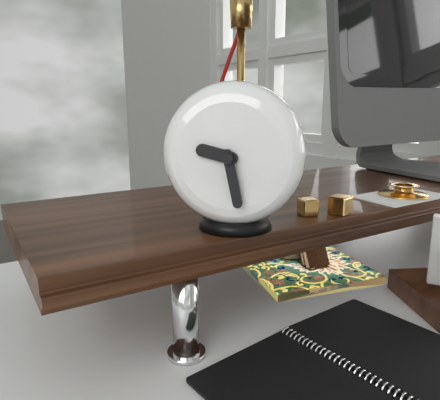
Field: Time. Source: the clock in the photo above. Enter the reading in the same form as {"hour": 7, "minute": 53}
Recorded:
{"hour": 9, "minute": 28}
